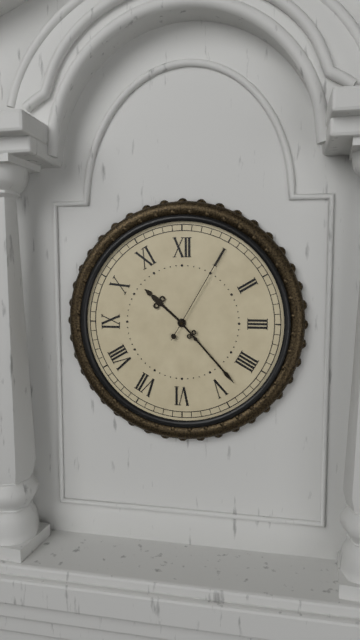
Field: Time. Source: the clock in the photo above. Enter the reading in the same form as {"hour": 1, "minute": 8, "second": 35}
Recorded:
{"hour": 10, "minute": 23, "second": 5}
